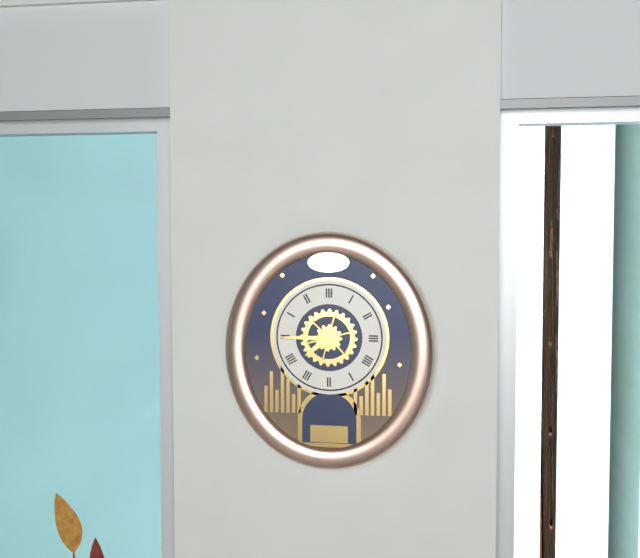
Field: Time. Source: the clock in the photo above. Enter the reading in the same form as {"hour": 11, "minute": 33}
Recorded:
{"hour": 7, "minute": 45}
